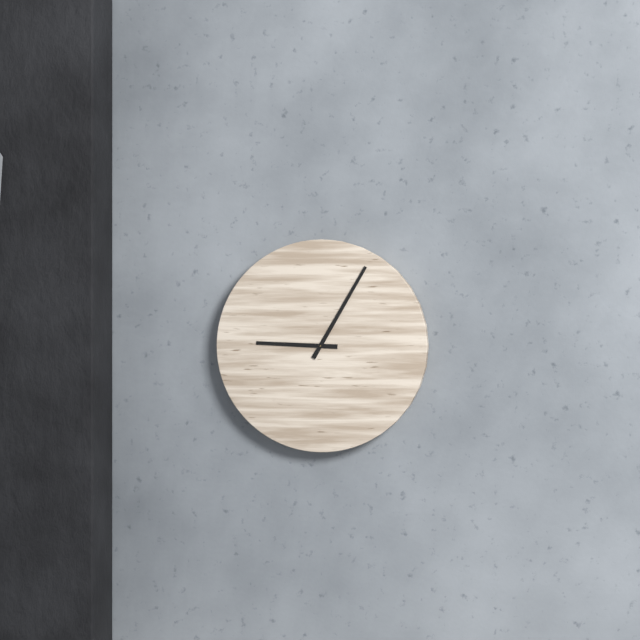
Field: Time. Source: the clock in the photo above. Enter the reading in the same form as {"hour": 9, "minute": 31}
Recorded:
{"hour": 9, "minute": 5}
